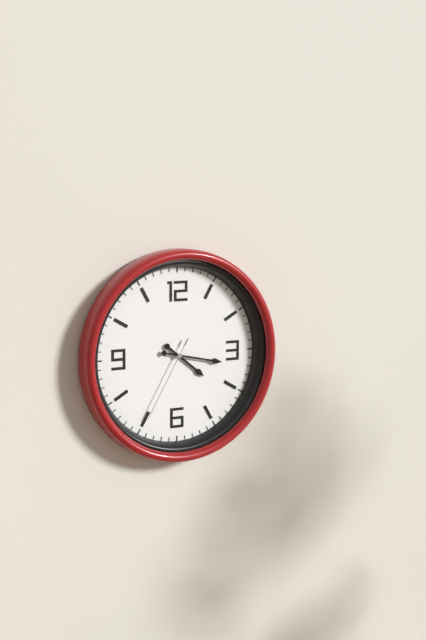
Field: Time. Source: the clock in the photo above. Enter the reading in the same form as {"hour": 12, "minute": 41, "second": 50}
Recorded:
{"hour": 4, "minute": 17, "second": 35}
